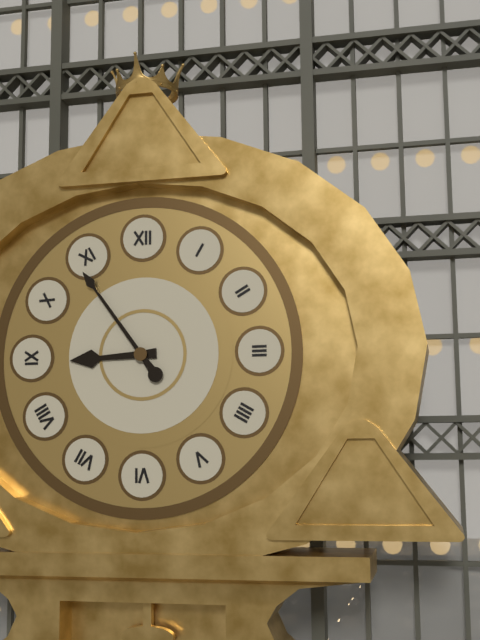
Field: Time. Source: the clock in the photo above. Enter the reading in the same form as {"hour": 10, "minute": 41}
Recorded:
{"hour": 8, "minute": 54}
